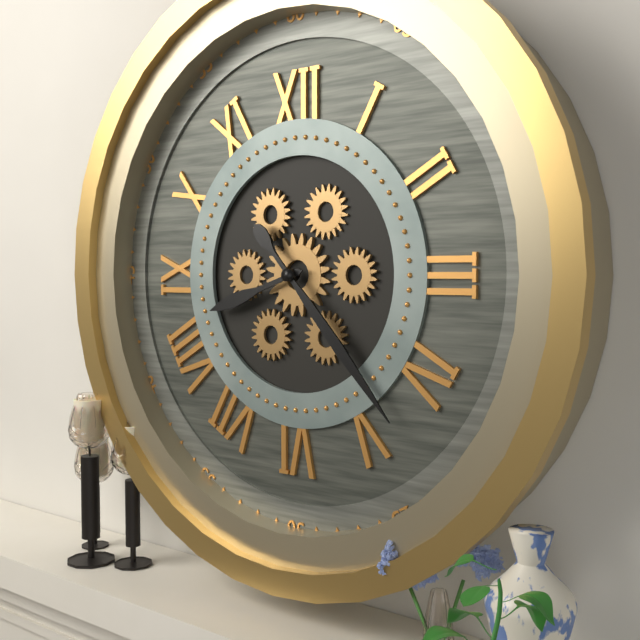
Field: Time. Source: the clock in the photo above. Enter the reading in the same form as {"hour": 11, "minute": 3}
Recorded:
{"hour": 8, "minute": 23}
